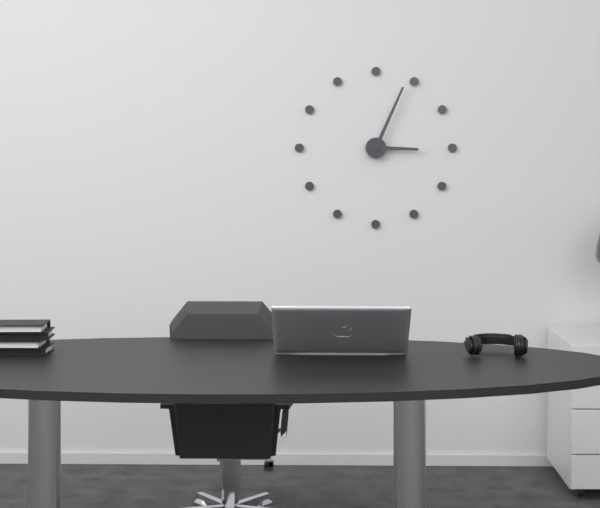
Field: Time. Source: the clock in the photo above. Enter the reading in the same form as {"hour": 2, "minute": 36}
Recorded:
{"hour": 3, "minute": 4}
